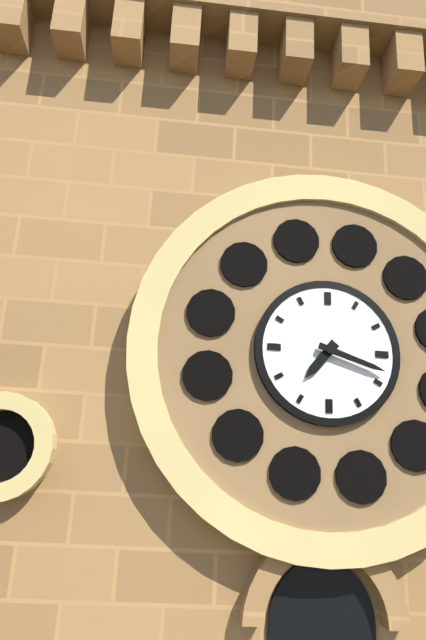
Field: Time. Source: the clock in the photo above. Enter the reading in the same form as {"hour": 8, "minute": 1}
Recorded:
{"hour": 7, "minute": 18}
